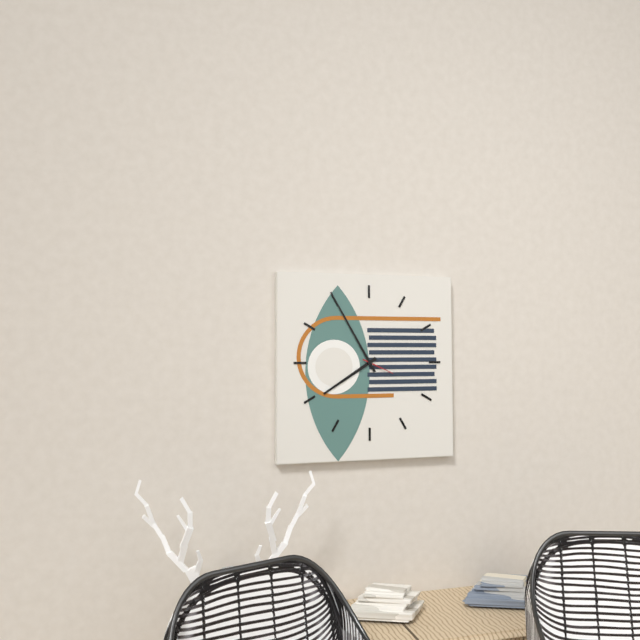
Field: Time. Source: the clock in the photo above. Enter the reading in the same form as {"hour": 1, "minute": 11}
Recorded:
{"hour": 7, "minute": 55}
